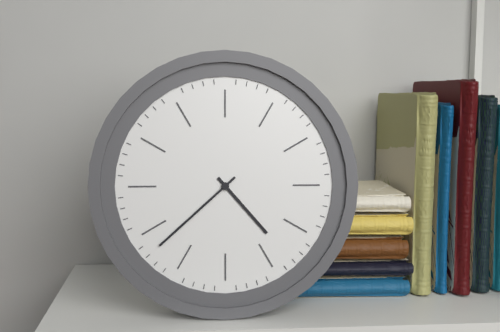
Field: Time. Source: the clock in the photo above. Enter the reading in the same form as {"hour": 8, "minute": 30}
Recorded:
{"hour": 4, "minute": 38}
